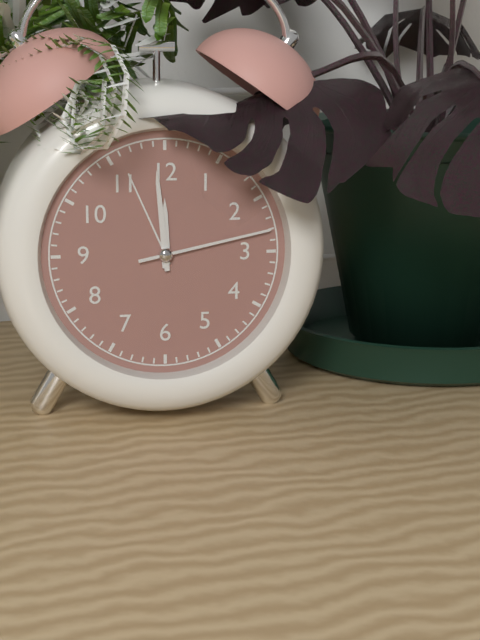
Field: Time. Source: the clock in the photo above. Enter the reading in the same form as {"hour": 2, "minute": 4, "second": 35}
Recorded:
{"hour": 11, "minute": 59, "second": 13}
